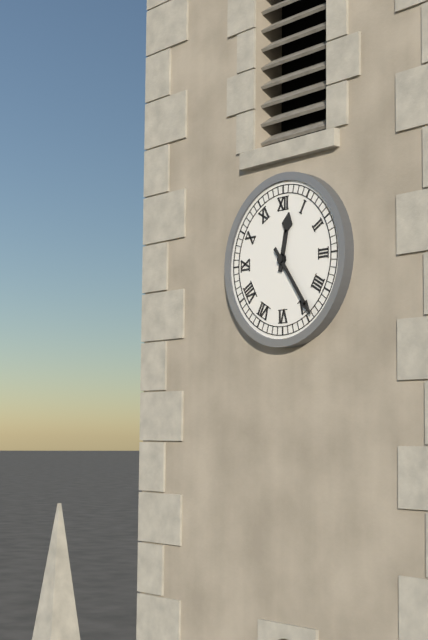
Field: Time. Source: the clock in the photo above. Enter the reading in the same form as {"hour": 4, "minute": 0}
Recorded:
{"hour": 12, "minute": 24}
